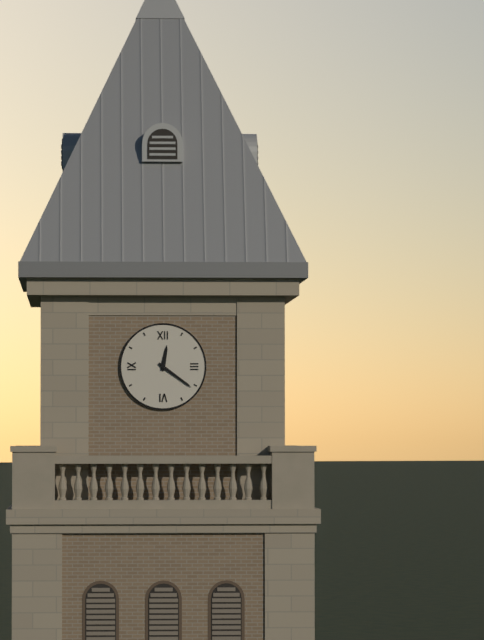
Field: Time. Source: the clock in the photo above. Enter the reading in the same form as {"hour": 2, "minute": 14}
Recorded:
{"hour": 12, "minute": 21}
